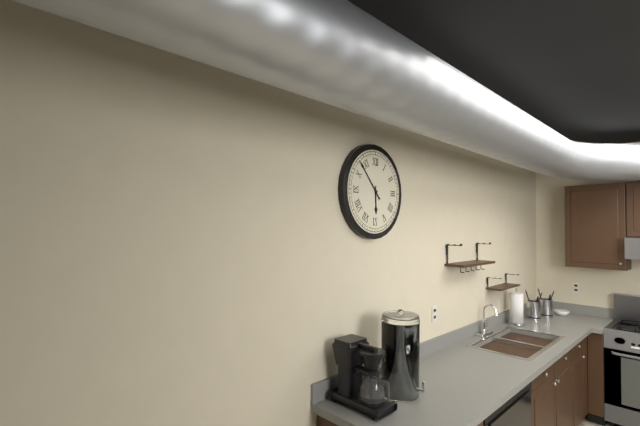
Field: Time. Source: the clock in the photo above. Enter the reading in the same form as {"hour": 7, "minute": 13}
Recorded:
{"hour": 5, "minute": 53}
